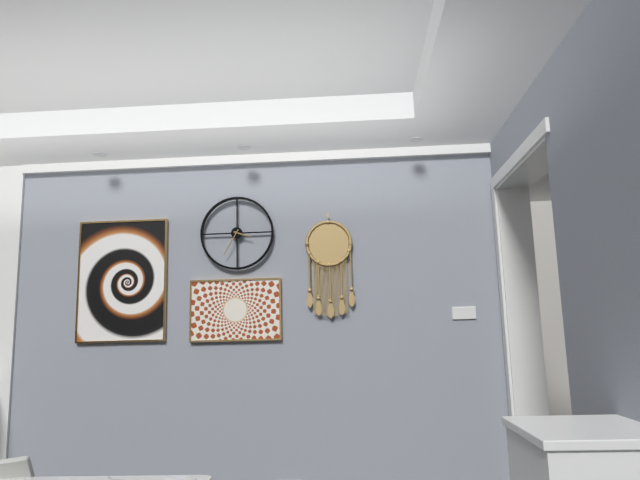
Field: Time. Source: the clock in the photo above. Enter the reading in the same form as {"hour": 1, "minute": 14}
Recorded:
{"hour": 3, "minute": 35}
